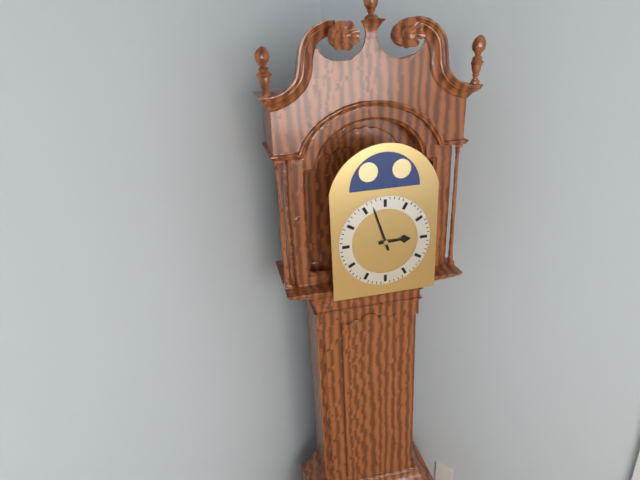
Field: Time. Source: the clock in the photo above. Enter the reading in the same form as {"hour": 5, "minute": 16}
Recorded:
{"hour": 2, "minute": 57}
